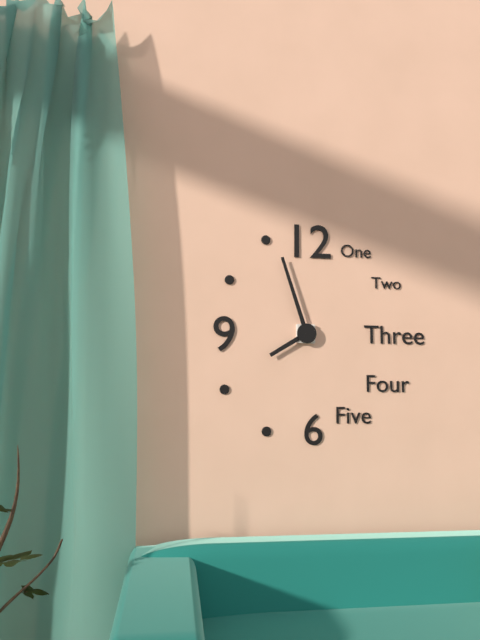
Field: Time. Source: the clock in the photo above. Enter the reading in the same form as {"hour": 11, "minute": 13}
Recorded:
{"hour": 7, "minute": 57}
